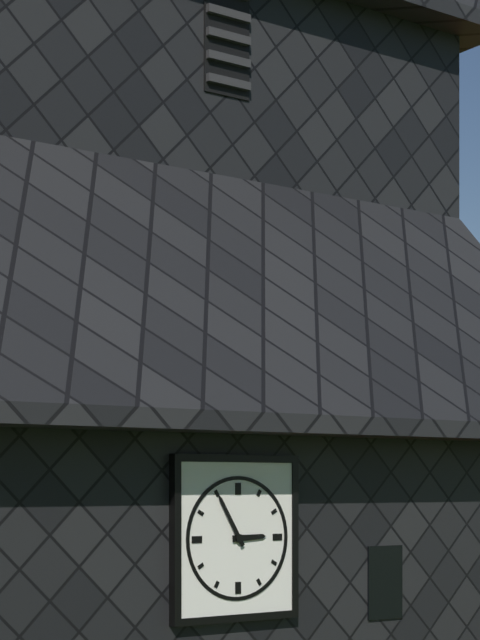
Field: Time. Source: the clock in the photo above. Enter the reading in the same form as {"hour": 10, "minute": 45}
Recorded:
{"hour": 2, "minute": 55}
